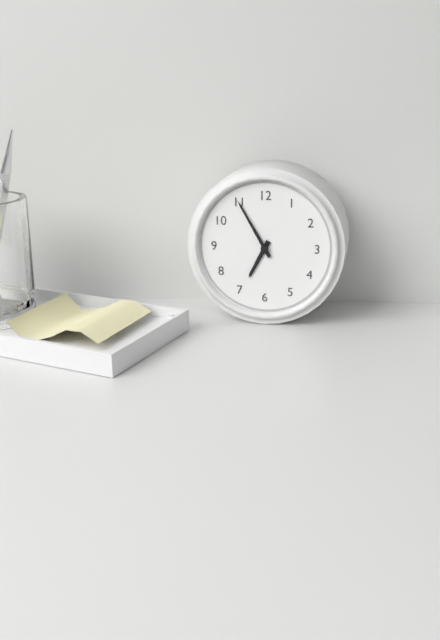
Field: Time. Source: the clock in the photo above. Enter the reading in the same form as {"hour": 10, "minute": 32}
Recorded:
{"hour": 6, "minute": 55}
